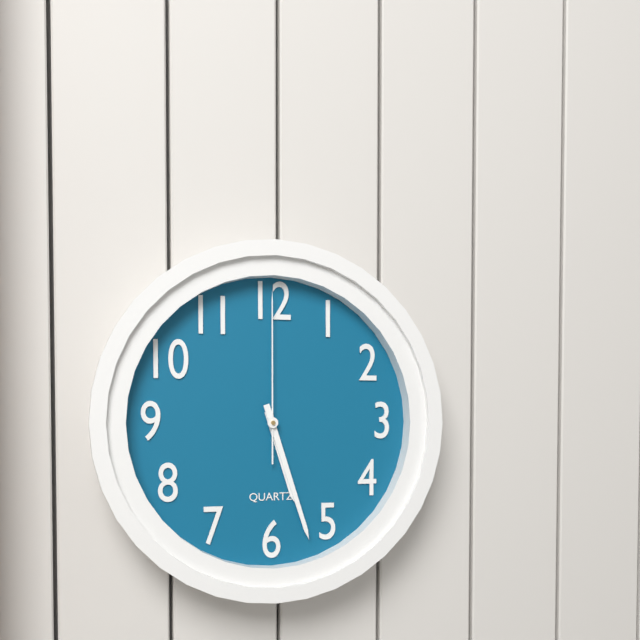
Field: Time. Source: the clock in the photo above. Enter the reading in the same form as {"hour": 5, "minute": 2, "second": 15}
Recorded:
{"hour": 5, "minute": 27, "second": 0}
